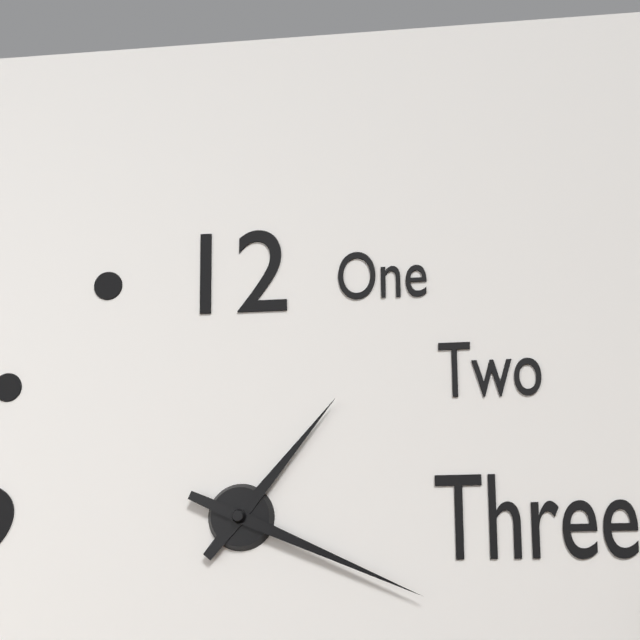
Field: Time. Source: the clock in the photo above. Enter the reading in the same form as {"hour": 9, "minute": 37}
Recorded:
{"hour": 1, "minute": 19}
